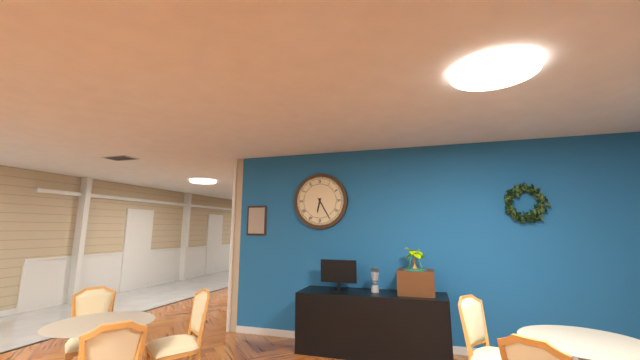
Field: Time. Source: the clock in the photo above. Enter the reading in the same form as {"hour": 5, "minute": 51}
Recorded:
{"hour": 6, "minute": 25}
